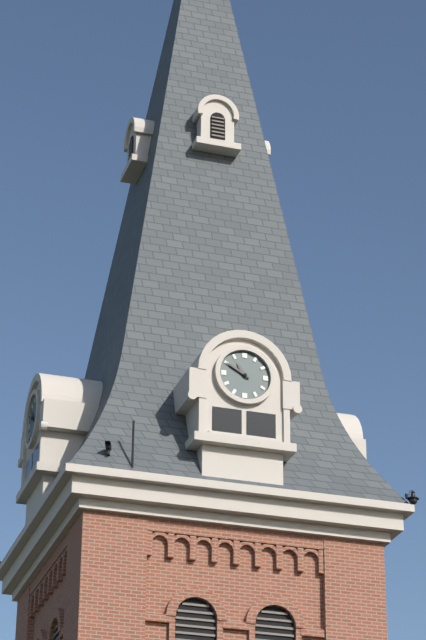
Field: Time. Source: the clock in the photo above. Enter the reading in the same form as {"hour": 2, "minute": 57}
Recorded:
{"hour": 10, "minute": 50}
